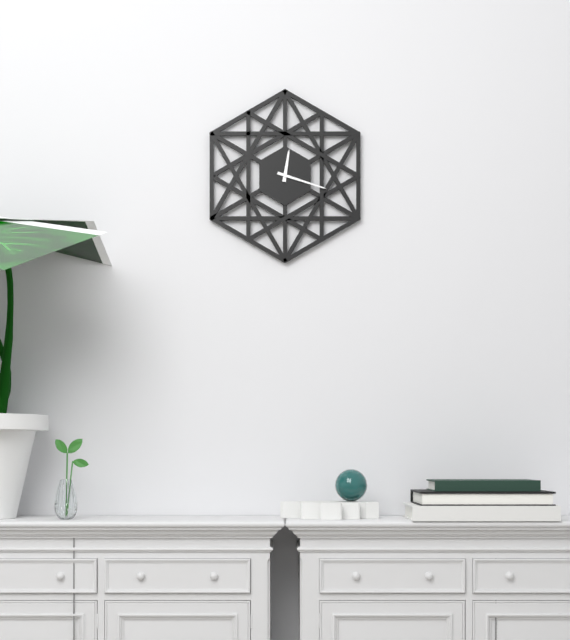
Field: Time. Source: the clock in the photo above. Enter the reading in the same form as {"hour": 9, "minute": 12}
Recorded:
{"hour": 12, "minute": 18}
